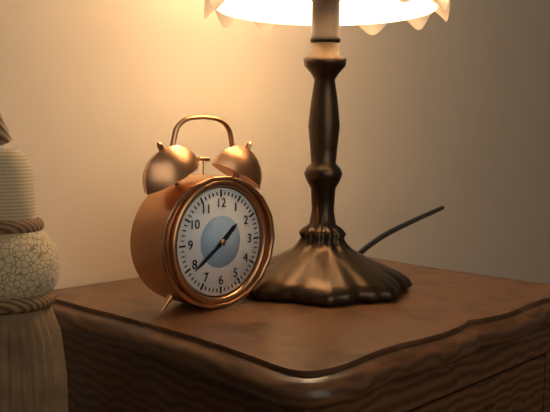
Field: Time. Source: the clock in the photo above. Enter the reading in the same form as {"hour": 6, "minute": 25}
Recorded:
{"hour": 1, "minute": 39}
